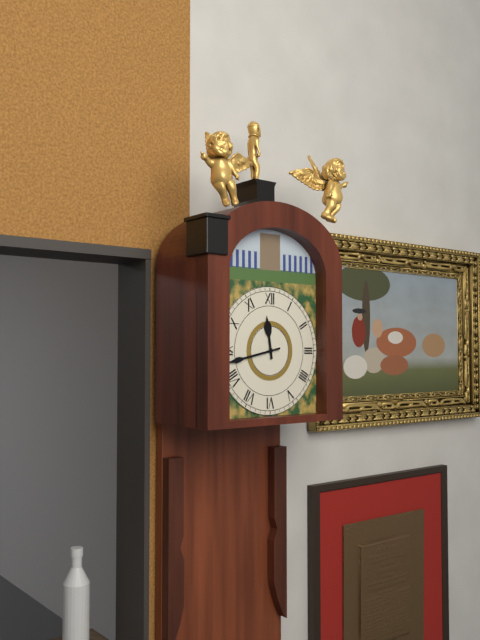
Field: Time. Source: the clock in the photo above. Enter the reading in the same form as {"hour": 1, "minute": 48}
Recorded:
{"hour": 11, "minute": 43}
